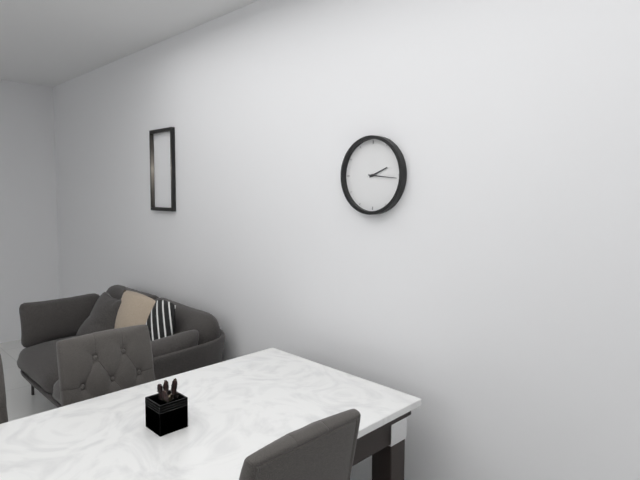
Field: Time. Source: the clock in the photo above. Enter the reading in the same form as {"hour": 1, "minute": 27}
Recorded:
{"hour": 2, "minute": 16}
